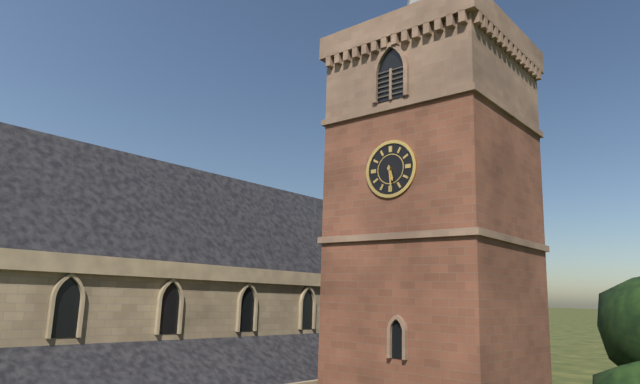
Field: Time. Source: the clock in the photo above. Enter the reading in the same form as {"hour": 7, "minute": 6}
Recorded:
{"hour": 5, "minute": 29}
